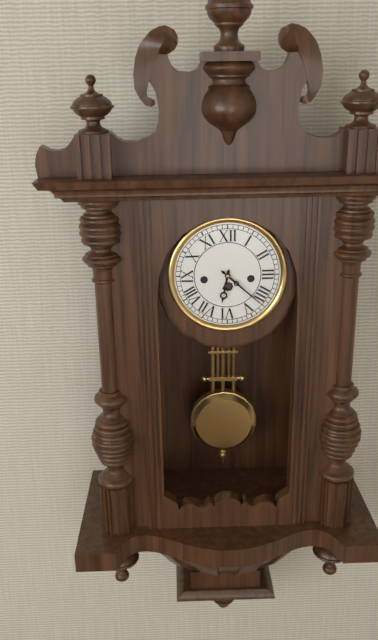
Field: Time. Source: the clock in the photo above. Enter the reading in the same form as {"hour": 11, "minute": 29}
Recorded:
{"hour": 6, "minute": 22}
